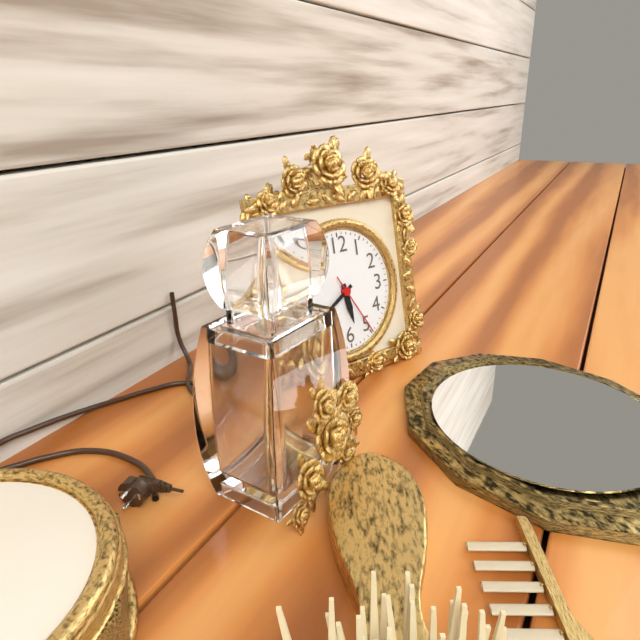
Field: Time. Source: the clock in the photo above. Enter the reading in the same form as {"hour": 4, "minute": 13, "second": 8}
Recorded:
{"hour": 5, "minute": 40, "second": 25}
